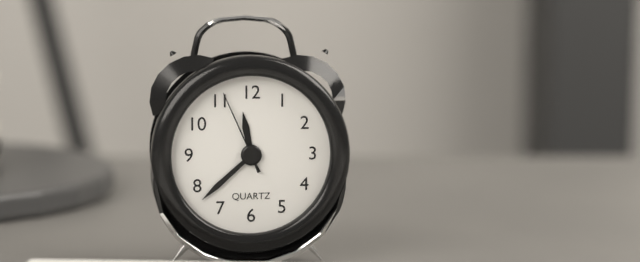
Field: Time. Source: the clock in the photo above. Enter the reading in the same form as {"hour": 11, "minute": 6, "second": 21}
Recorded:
{"hour": 11, "minute": 38, "second": 56}
